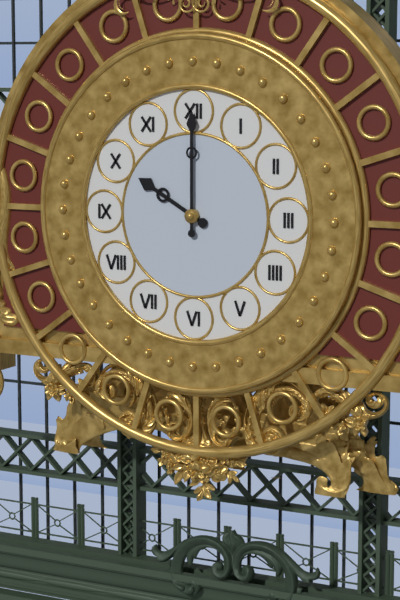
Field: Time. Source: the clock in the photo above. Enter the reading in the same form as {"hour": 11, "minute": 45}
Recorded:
{"hour": 10, "minute": 0}
